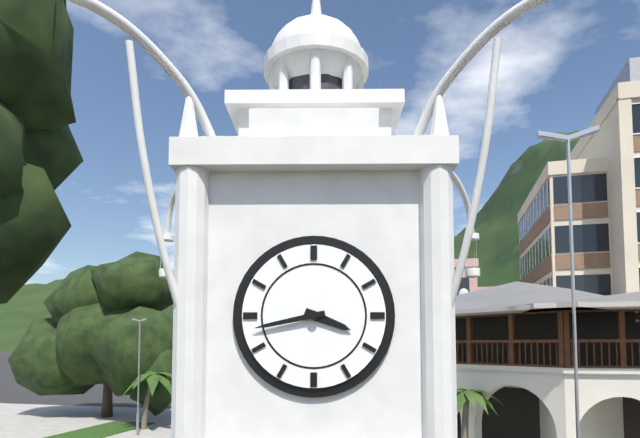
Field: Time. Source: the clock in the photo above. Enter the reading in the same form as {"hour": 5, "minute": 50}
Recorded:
{"hour": 3, "minute": 43}
